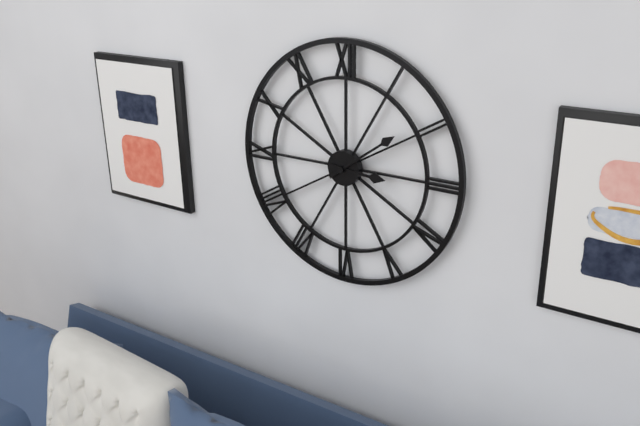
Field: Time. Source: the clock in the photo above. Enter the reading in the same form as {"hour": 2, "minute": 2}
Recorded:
{"hour": 3, "minute": 9}
